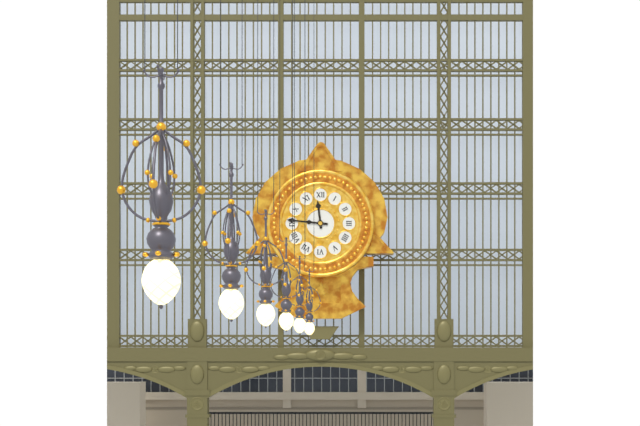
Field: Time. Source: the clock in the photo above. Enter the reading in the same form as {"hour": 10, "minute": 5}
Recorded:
{"hour": 11, "minute": 46}
